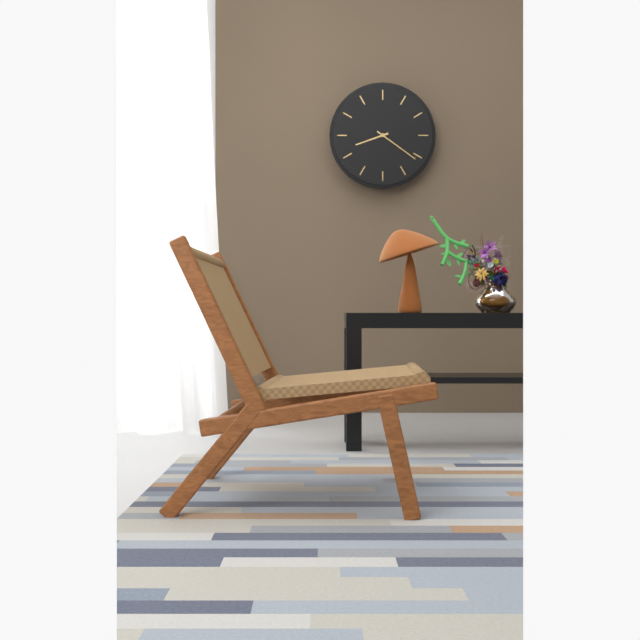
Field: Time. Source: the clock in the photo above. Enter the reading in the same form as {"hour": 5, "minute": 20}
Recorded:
{"hour": 8, "minute": 21}
